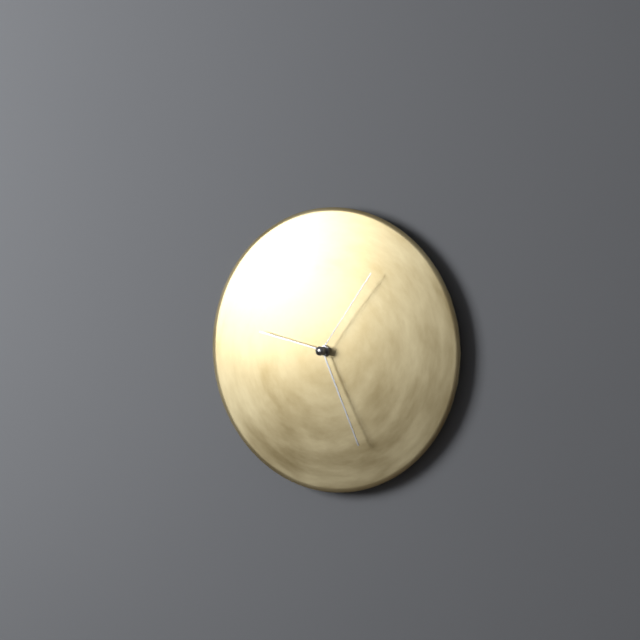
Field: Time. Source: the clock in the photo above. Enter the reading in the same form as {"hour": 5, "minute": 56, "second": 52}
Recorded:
{"hour": 9, "minute": 26, "second": 6}
